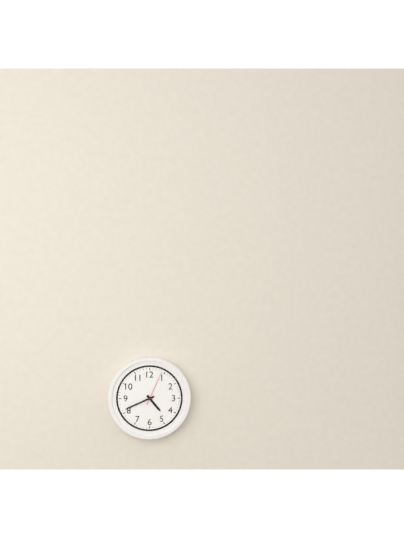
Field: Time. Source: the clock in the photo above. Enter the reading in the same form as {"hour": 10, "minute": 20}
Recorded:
{"hour": 4, "minute": 41}
